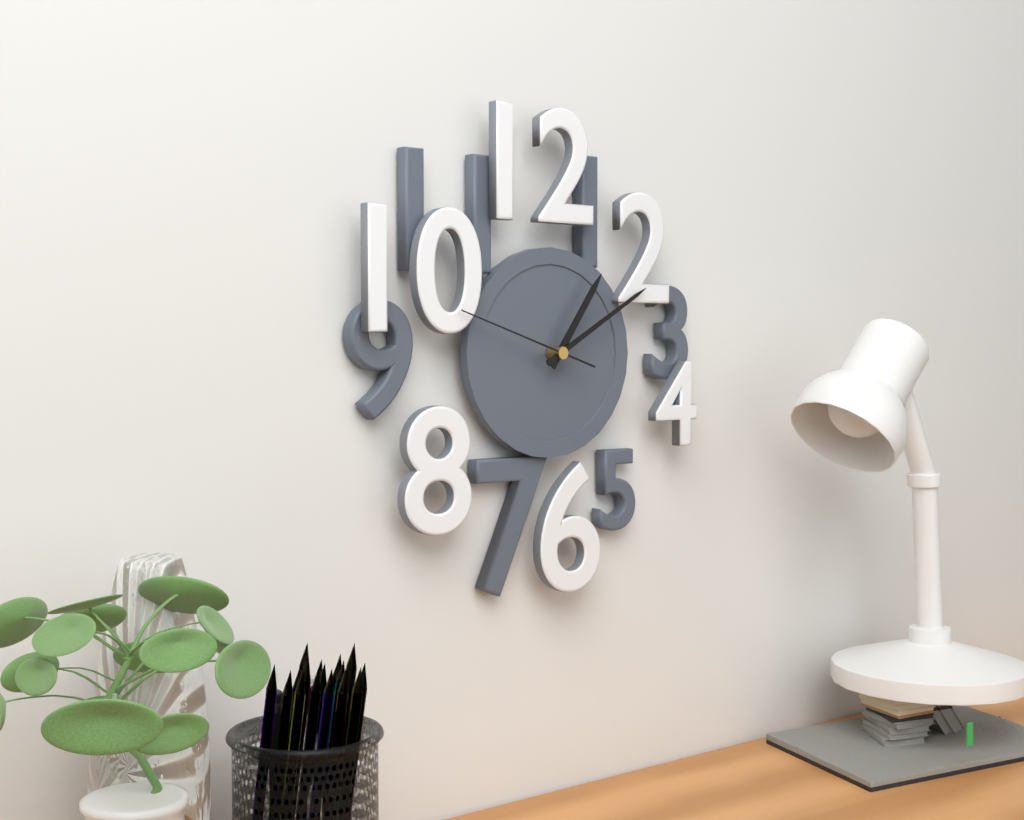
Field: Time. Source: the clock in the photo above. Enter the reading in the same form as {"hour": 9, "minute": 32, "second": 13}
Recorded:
{"hour": 1, "minute": 10, "second": 48}
